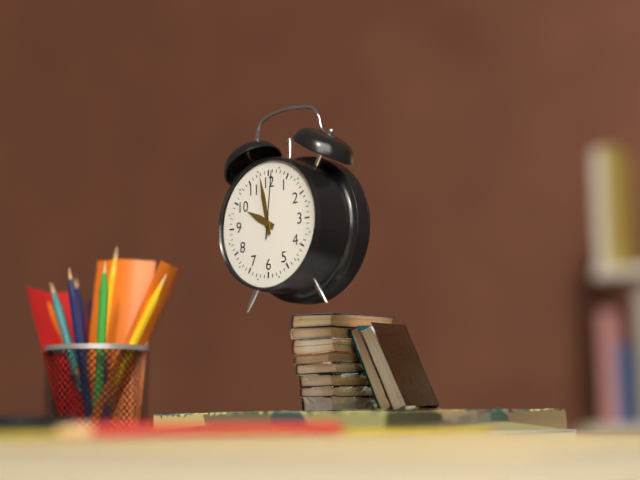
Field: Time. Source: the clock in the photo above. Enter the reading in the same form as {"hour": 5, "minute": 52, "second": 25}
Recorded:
{"hour": 9, "minute": 58, "second": 1}
